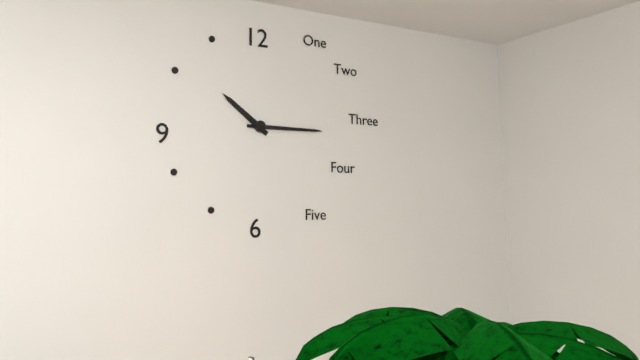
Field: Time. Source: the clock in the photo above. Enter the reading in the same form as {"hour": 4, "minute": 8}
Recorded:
{"hour": 10, "minute": 15}
